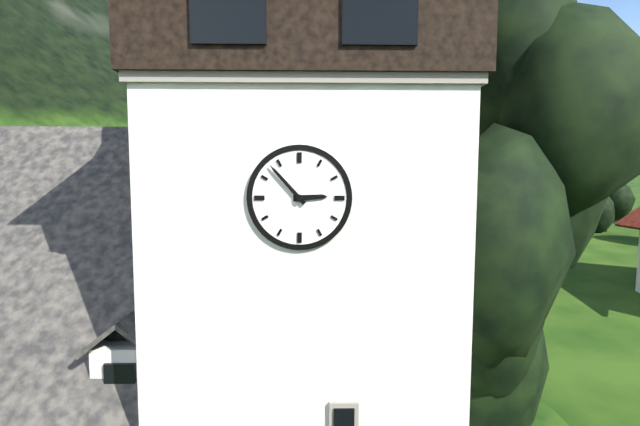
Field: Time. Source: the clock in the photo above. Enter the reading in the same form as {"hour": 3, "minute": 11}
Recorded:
{"hour": 2, "minute": 53}
